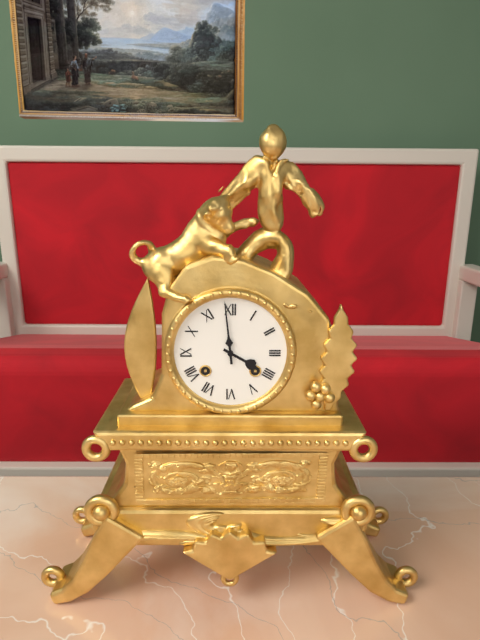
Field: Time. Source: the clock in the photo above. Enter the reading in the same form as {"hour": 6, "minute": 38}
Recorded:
{"hour": 3, "minute": 59}
